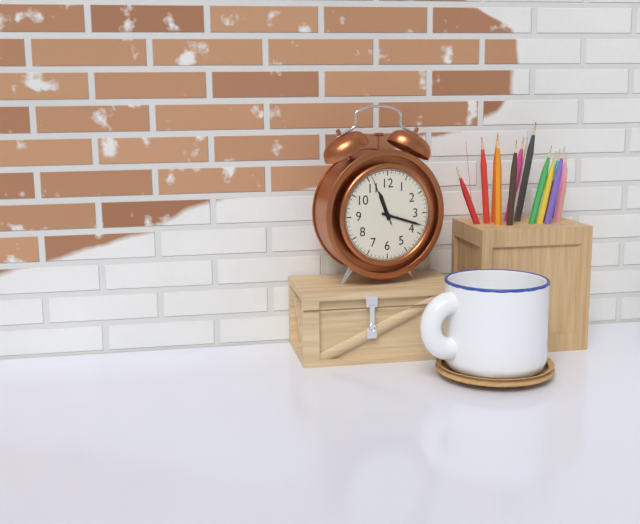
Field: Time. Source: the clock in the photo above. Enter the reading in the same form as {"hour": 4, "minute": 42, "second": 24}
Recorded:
{"hour": 11, "minute": 18, "second": 56}
